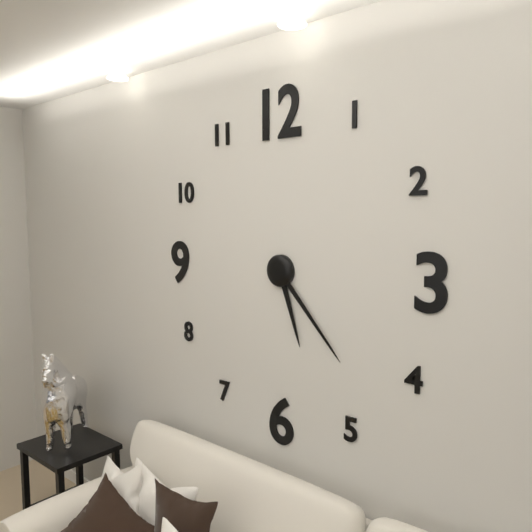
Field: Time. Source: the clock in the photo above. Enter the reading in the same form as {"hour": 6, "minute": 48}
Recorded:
{"hour": 5, "minute": 23}
